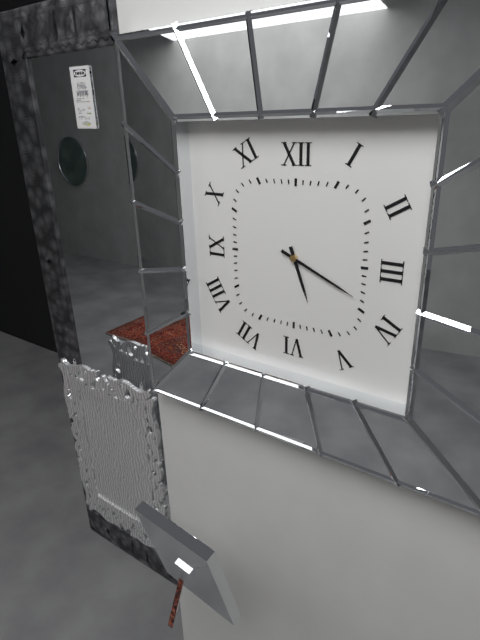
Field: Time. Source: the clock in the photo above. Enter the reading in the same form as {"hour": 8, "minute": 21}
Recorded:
{"hour": 5, "minute": 19}
